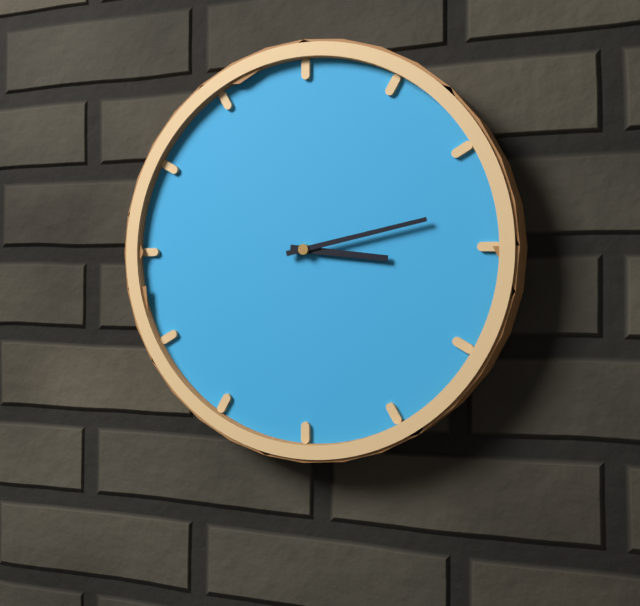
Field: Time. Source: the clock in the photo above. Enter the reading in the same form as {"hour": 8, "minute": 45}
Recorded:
{"hour": 3, "minute": 13}
